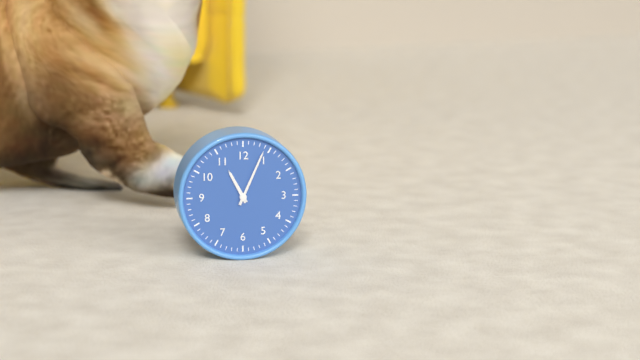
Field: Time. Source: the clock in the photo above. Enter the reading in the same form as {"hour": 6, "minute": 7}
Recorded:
{"hour": 11, "minute": 4}
